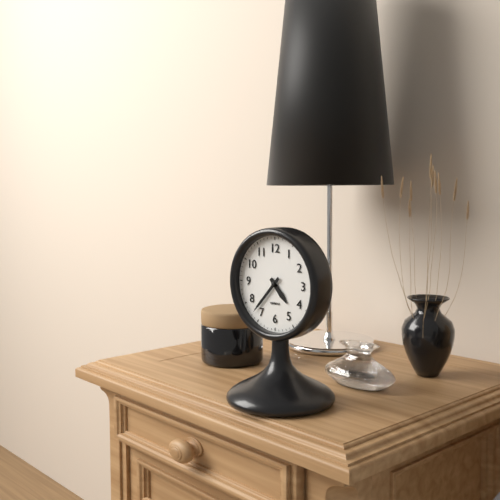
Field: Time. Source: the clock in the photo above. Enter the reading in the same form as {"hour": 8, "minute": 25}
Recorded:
{"hour": 4, "minute": 37}
